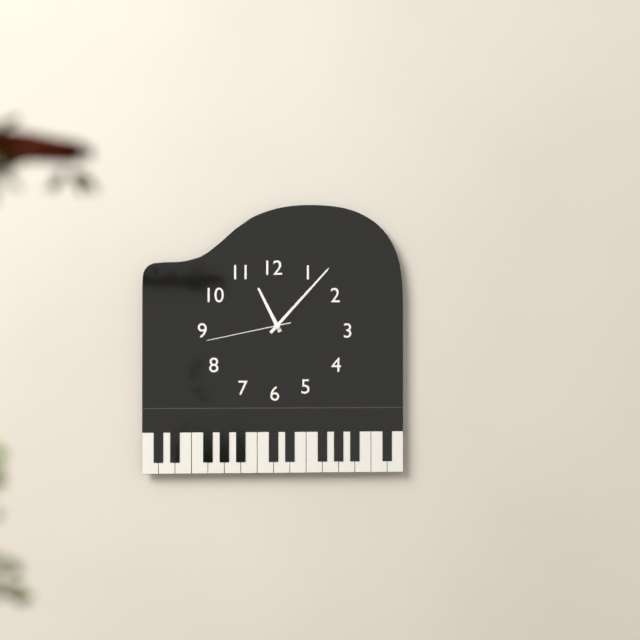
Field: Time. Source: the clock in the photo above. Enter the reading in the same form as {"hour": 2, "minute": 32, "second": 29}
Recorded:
{"hour": 11, "minute": 7, "second": 43}
